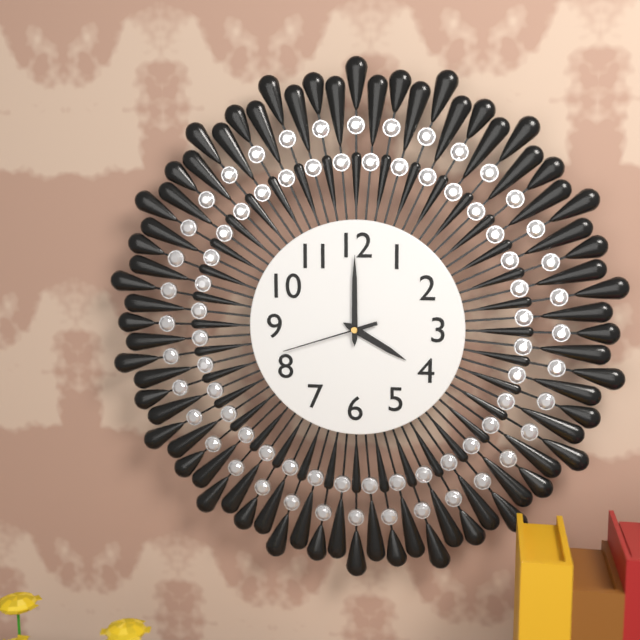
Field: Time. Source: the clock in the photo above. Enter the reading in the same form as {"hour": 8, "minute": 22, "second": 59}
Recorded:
{"hour": 4, "minute": 0, "second": 42}
